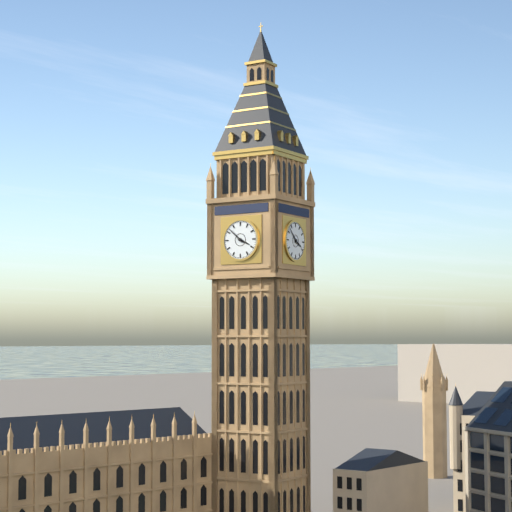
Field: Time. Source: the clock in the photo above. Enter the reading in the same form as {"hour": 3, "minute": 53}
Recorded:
{"hour": 3, "minute": 52}
